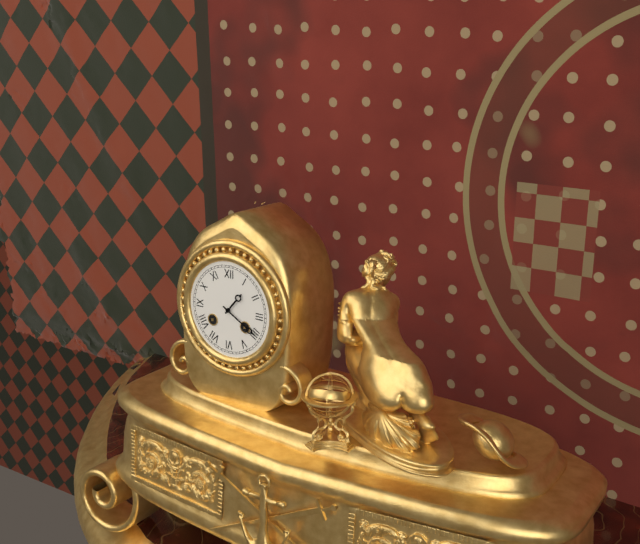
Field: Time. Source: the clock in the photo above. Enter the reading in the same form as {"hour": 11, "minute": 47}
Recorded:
{"hour": 1, "minute": 20}
